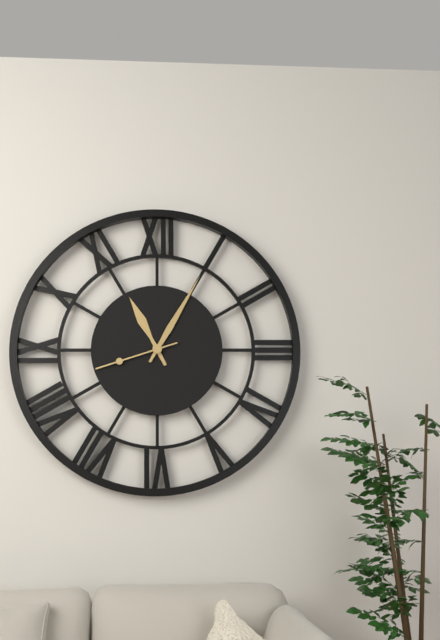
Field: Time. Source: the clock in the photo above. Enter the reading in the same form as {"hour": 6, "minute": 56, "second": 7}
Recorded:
{"hour": 11, "minute": 5, "second": 42}
